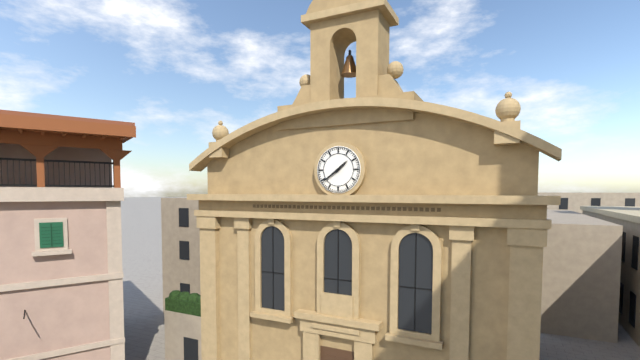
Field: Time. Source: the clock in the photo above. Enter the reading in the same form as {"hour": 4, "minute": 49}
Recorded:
{"hour": 1, "minute": 39}
